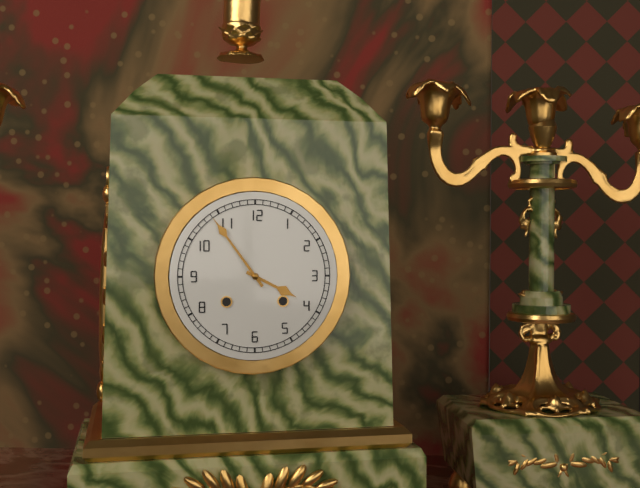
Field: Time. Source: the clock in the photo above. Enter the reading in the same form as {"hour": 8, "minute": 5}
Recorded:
{"hour": 3, "minute": 54}
